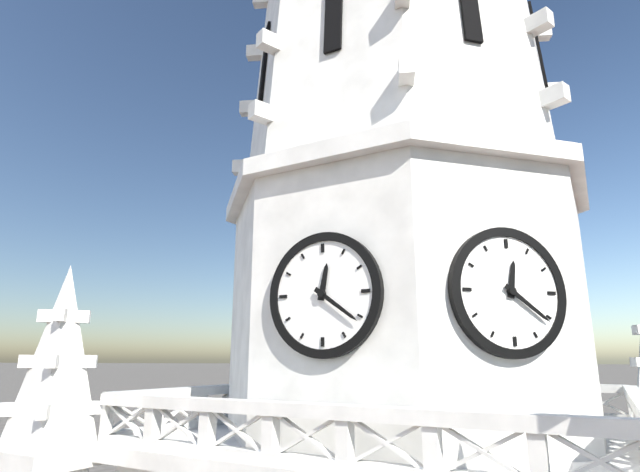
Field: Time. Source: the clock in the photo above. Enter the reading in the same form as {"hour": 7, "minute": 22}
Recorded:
{"hour": 12, "minute": 21}
